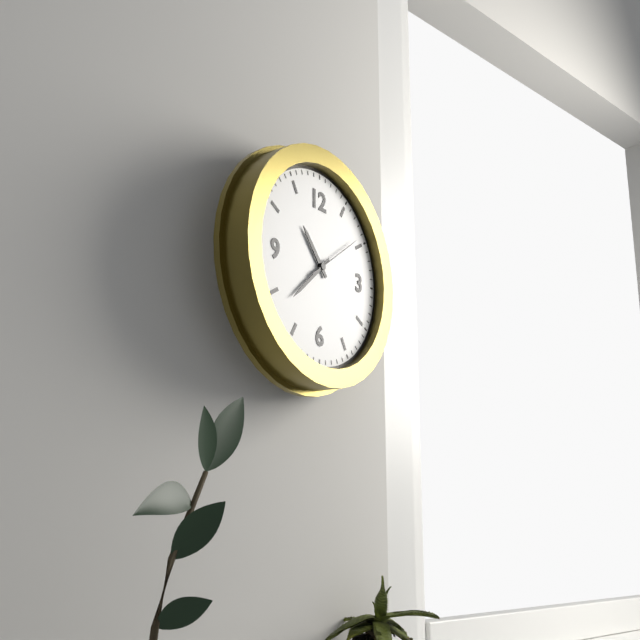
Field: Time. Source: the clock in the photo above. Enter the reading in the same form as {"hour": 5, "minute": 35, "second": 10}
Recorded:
{"hour": 10, "minute": 38, "second": 9}
